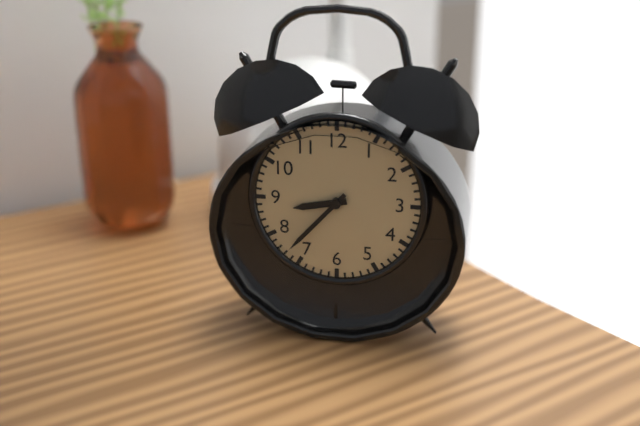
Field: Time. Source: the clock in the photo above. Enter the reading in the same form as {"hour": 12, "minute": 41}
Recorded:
{"hour": 8, "minute": 37}
